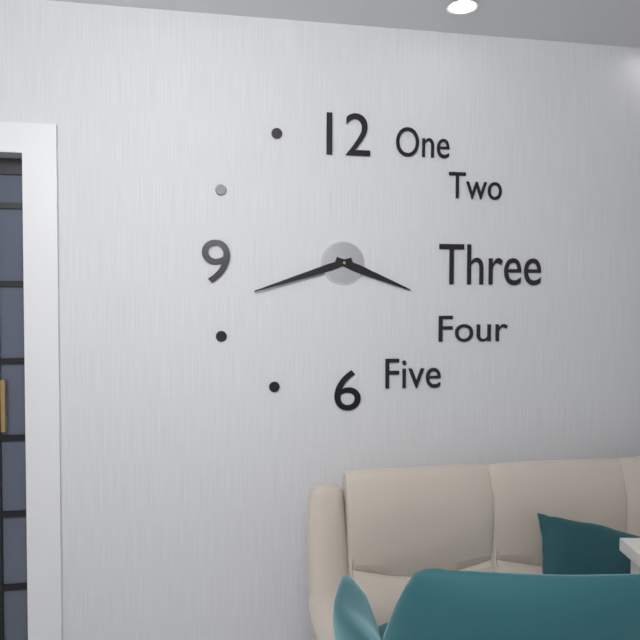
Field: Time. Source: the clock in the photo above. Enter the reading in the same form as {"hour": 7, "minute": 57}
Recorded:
{"hour": 3, "minute": 42}
